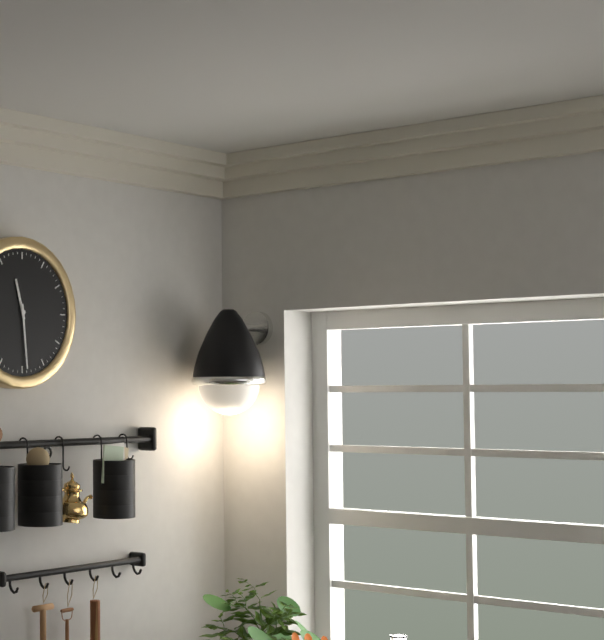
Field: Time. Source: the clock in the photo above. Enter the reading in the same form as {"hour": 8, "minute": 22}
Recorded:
{"hour": 11, "minute": 29}
